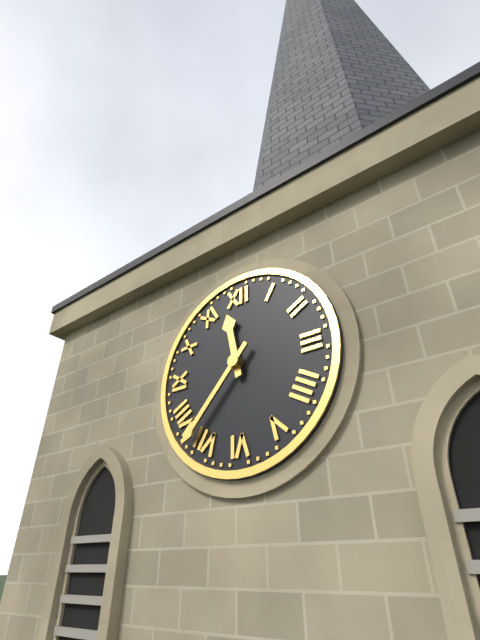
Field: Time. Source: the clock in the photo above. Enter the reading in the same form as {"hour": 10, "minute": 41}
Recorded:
{"hour": 11, "minute": 37}
